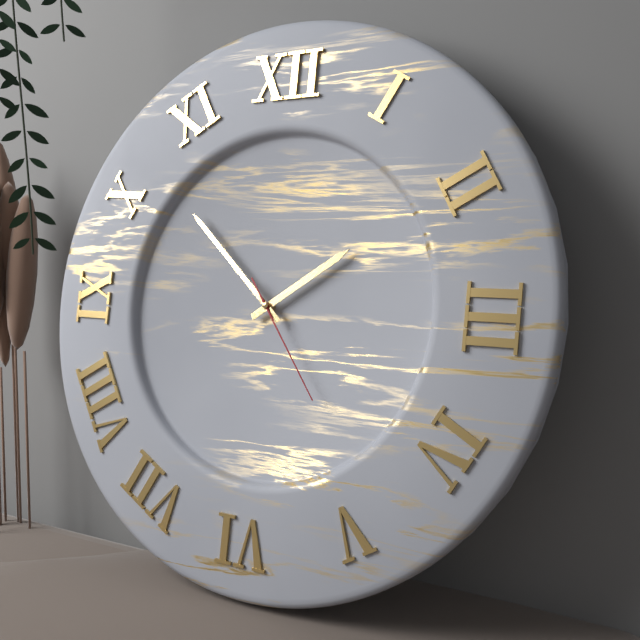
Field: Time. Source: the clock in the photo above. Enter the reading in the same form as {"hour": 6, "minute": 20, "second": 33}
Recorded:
{"hour": 1, "minute": 52, "second": 24}
